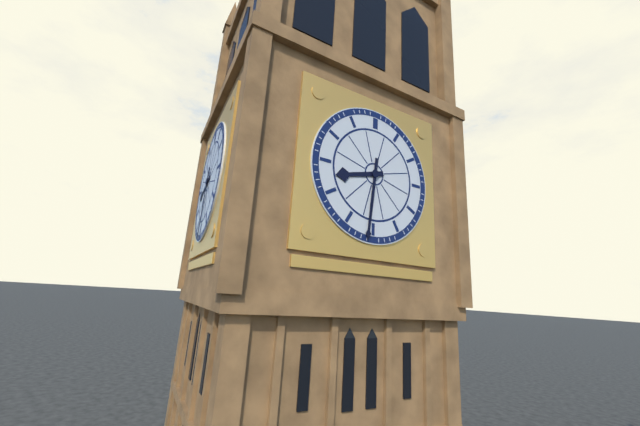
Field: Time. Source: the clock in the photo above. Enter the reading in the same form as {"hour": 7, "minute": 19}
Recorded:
{"hour": 8, "minute": 31}
